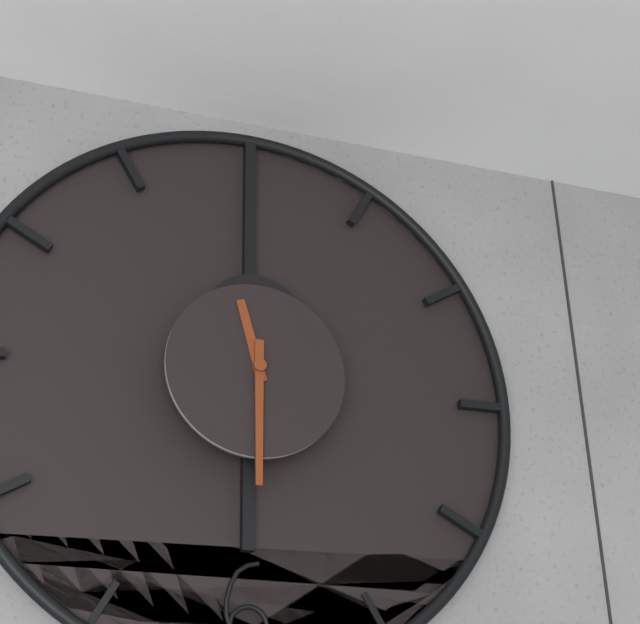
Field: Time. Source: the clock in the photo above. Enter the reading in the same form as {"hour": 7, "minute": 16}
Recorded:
{"hour": 11, "minute": 30}
